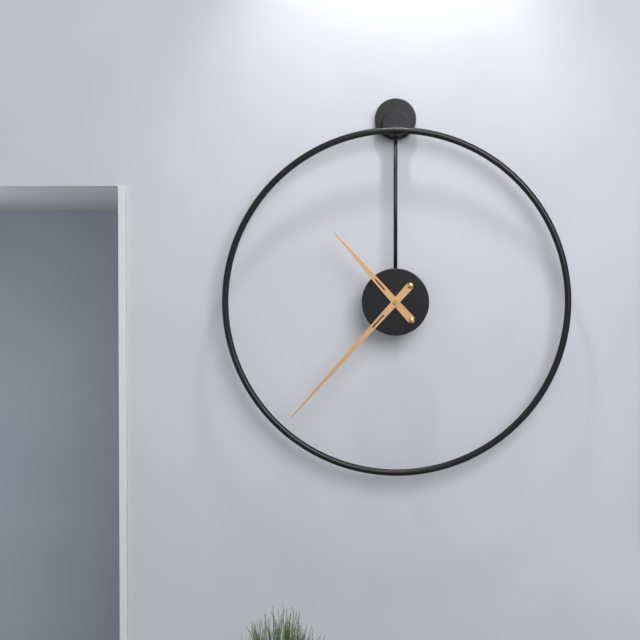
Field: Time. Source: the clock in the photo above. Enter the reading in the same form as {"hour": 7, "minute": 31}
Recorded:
{"hour": 10, "minute": 37}
